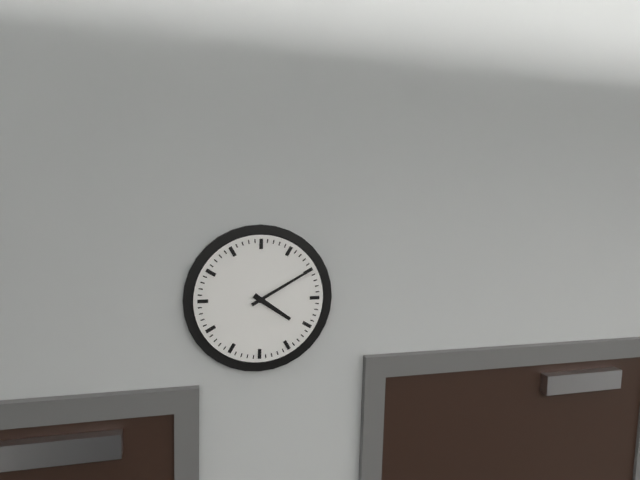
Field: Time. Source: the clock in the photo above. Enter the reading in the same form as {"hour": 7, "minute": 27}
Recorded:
{"hour": 4, "minute": 10}
